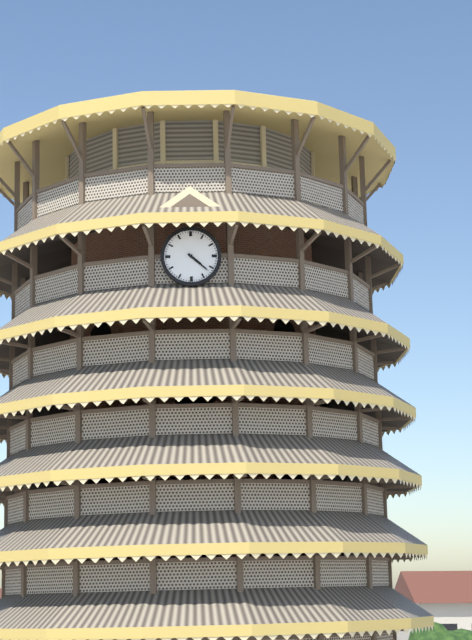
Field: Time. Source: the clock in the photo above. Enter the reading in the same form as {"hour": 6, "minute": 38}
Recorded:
{"hour": 4, "minute": 22}
